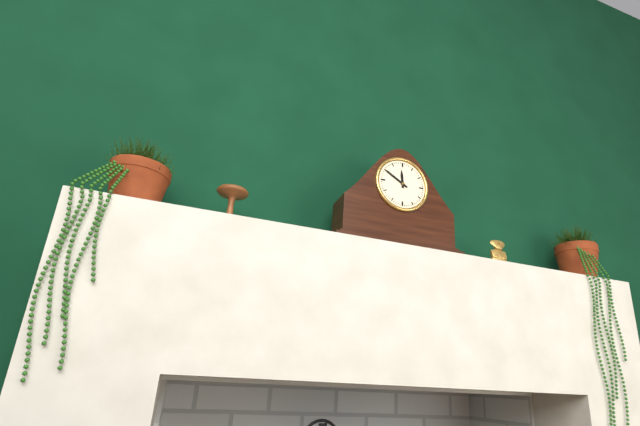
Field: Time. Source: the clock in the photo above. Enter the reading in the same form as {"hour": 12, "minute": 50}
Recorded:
{"hour": 11, "minute": 50}
